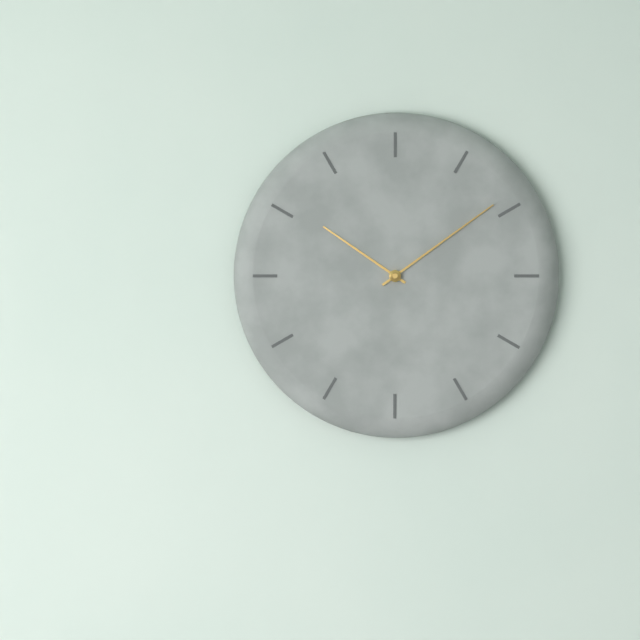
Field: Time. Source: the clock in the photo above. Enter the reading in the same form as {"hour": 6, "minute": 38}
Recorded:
{"hour": 10, "minute": 9}
